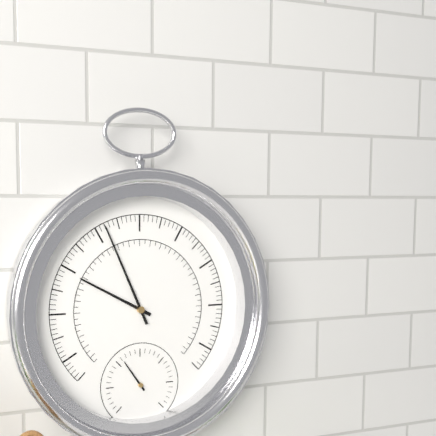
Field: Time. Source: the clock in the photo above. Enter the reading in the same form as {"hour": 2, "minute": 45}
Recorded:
{"hour": 9, "minute": 56}
